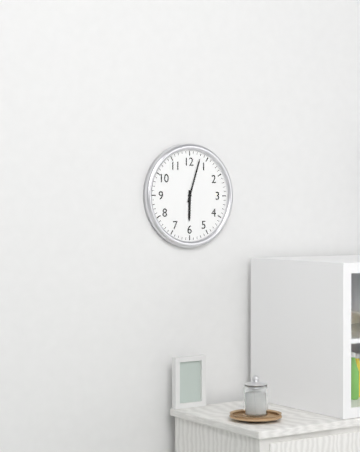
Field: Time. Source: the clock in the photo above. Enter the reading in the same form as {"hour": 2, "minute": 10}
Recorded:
{"hour": 6, "minute": 3}
